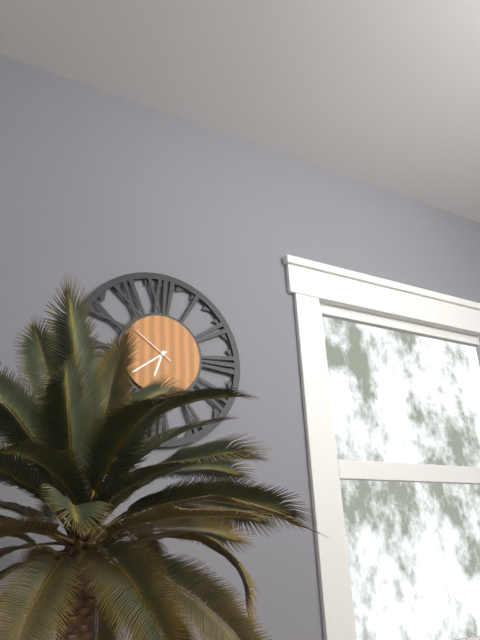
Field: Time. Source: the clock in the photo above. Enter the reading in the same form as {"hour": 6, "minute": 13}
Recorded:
{"hour": 6, "minute": 39}
